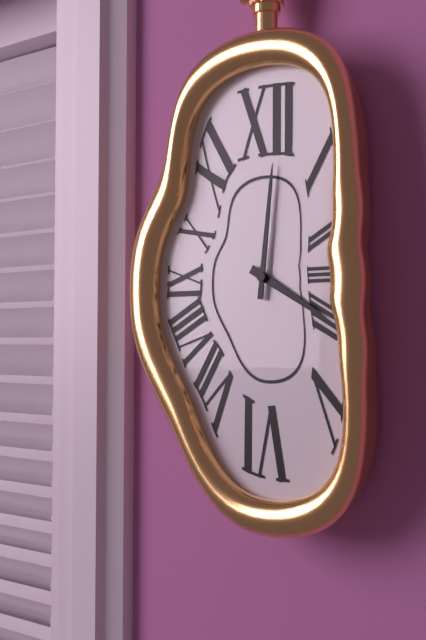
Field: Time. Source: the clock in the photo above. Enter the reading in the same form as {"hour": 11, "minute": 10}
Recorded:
{"hour": 4, "minute": 1}
